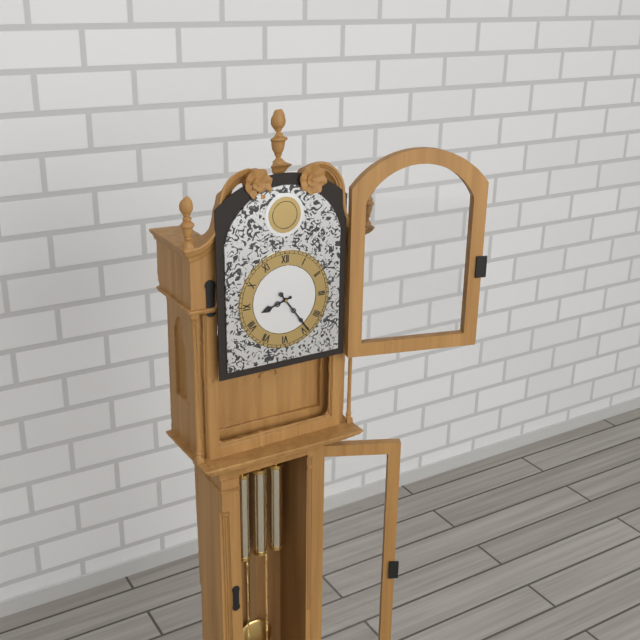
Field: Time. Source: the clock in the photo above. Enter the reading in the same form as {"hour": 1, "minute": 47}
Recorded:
{"hour": 8, "minute": 24}
